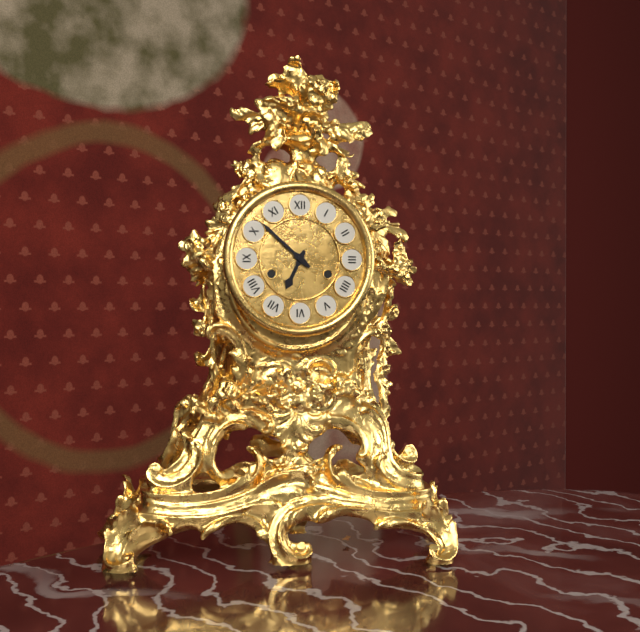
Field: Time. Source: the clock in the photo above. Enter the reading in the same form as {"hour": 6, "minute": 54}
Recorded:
{"hour": 6, "minute": 52}
